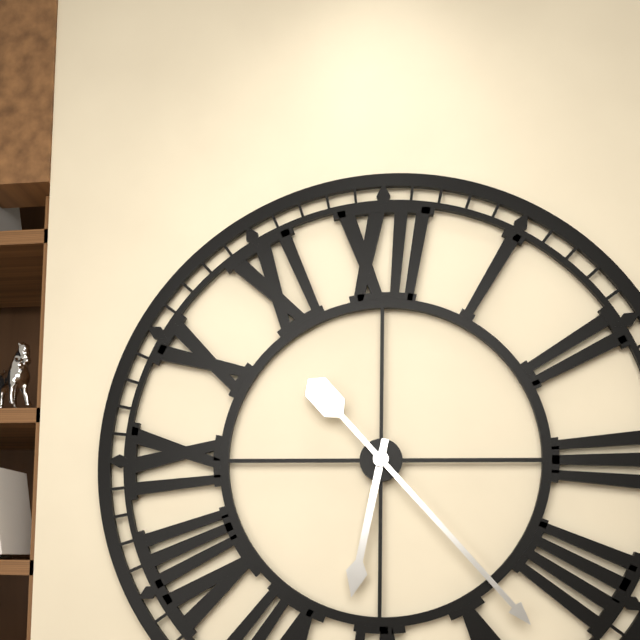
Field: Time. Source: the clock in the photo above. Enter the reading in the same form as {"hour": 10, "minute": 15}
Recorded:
{"hour": 6, "minute": 23}
